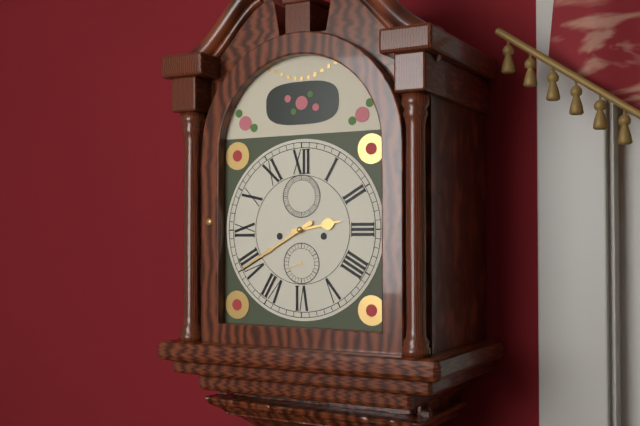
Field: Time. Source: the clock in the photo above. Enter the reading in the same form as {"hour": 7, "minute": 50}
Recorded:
{"hour": 2, "minute": 40}
